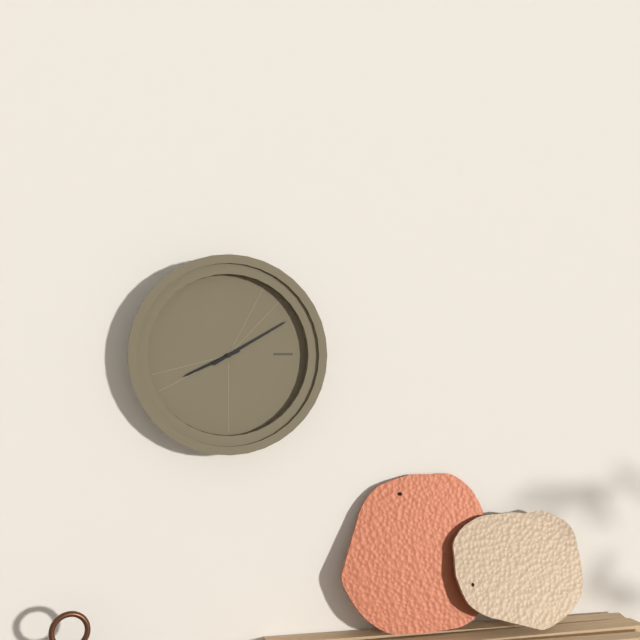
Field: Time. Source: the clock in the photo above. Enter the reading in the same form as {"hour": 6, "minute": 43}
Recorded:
{"hour": 8, "minute": 10}
